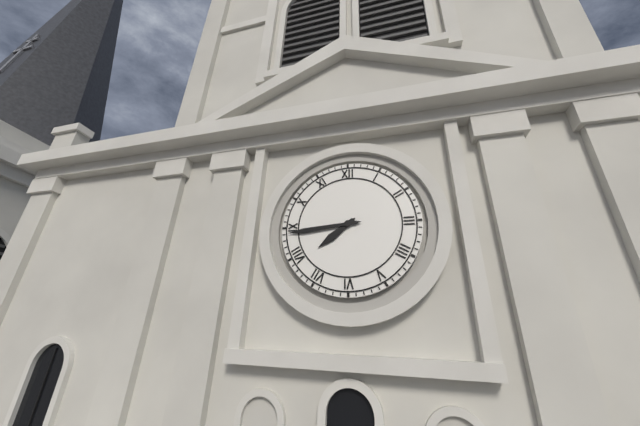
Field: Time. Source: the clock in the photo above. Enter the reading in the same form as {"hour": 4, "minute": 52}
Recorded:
{"hour": 7, "minute": 44}
